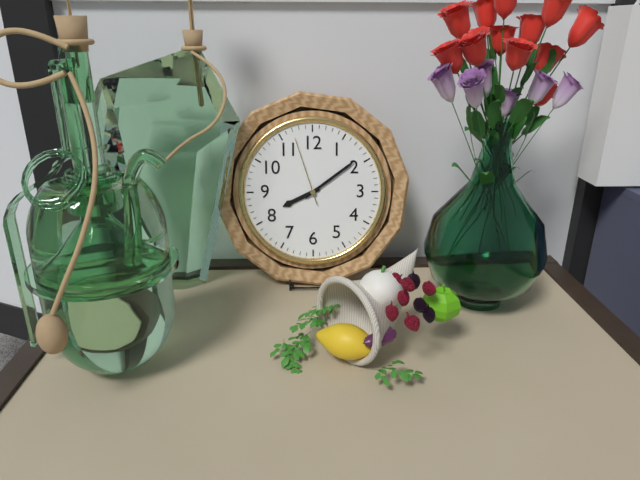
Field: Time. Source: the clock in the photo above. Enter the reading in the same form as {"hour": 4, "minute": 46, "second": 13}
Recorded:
{"hour": 8, "minute": 9, "second": 57}
